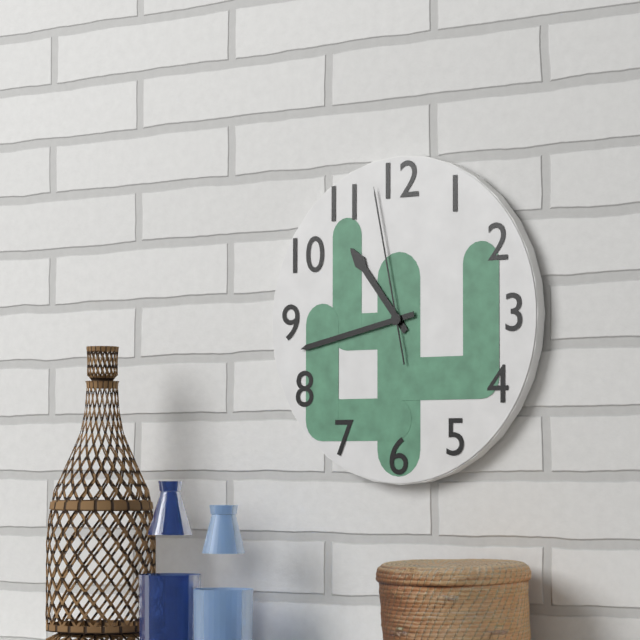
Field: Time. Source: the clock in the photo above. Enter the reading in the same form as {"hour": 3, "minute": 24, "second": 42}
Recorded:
{"hour": 10, "minute": 43, "second": 58}
